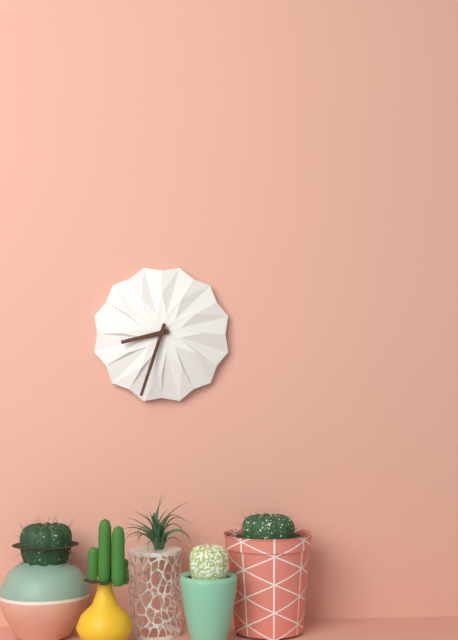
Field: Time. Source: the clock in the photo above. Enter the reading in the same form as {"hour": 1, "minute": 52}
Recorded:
{"hour": 8, "minute": 33}
